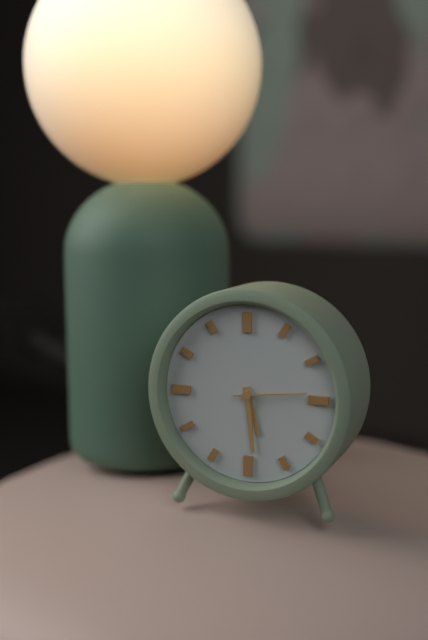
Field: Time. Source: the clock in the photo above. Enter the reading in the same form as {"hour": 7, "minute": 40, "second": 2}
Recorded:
{"hour": 5, "minute": 29, "second": 14}
